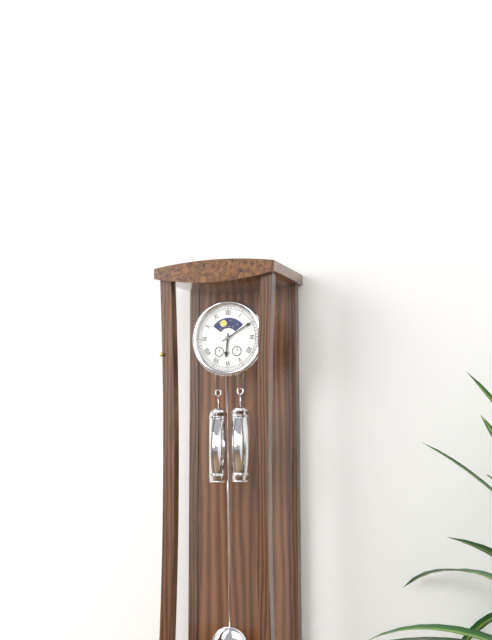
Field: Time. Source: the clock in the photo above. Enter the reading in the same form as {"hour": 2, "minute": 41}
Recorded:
{"hour": 6, "minute": 10}
